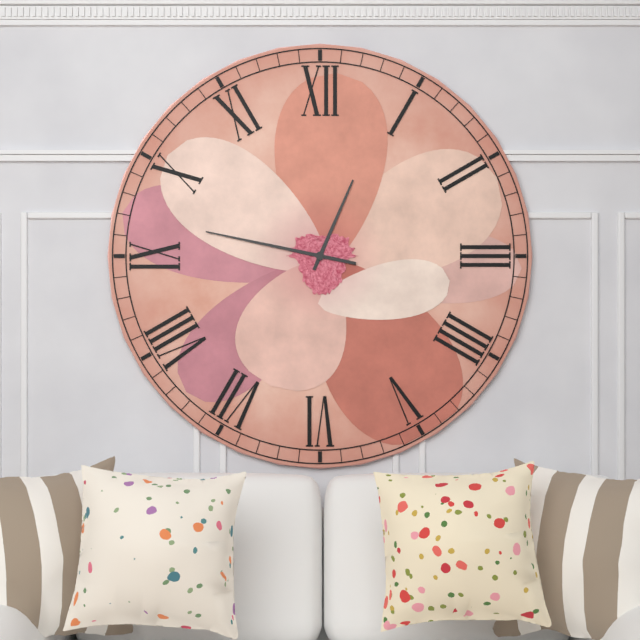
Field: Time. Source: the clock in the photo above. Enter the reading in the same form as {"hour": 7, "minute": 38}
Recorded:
{"hour": 12, "minute": 47}
